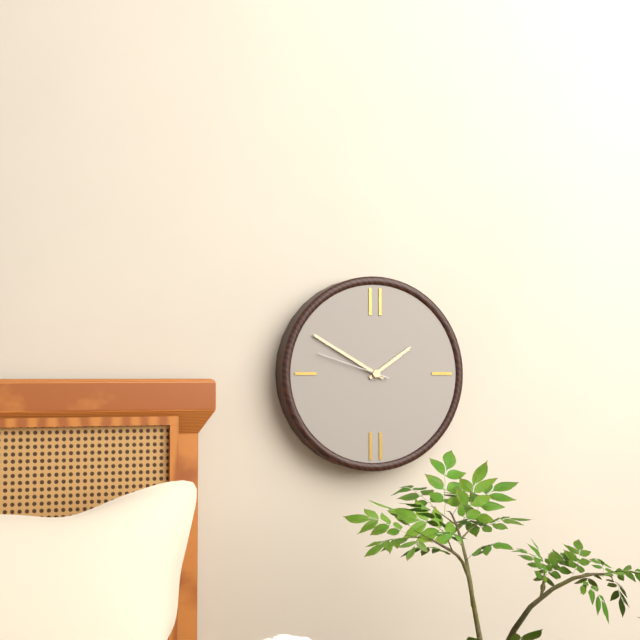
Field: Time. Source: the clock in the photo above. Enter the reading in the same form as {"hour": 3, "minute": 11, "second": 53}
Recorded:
{"hour": 1, "minute": 50, "second": 48}
